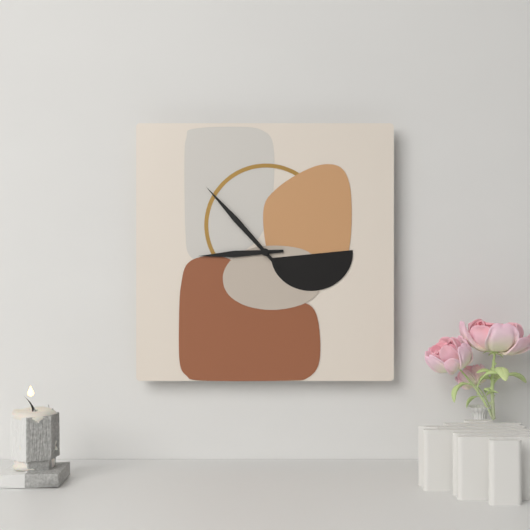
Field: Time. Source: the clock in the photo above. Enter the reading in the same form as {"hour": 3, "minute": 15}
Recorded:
{"hour": 8, "minute": 53}
